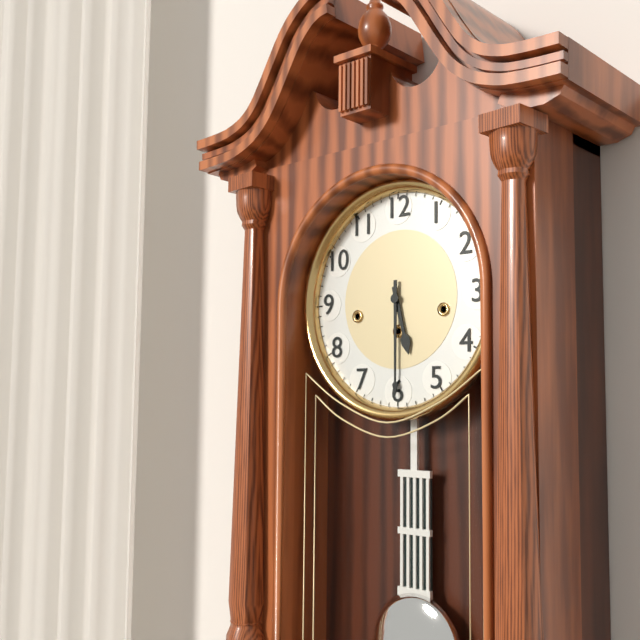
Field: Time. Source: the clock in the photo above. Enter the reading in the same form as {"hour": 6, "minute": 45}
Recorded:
{"hour": 5, "minute": 30}
